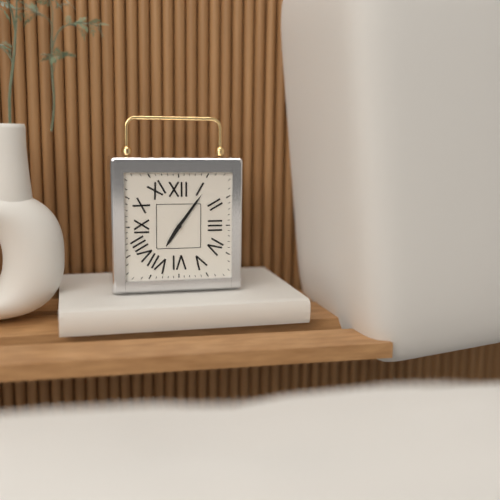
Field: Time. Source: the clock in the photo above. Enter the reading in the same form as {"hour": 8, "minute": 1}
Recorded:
{"hour": 7, "minute": 6}
